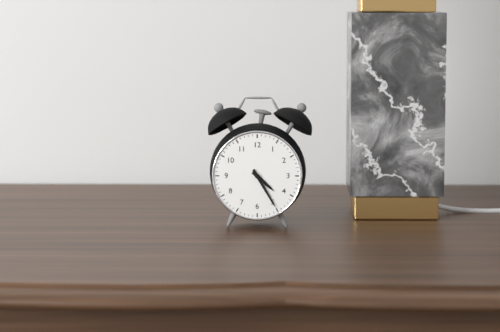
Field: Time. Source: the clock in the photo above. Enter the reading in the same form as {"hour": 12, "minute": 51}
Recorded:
{"hour": 4, "minute": 25}
